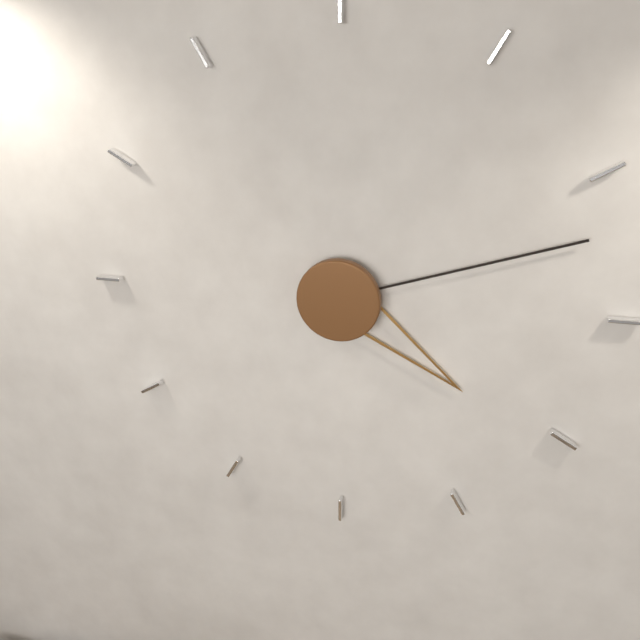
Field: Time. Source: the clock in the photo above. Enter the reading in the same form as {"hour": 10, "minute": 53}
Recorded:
{"hour": 4, "minute": 12}
